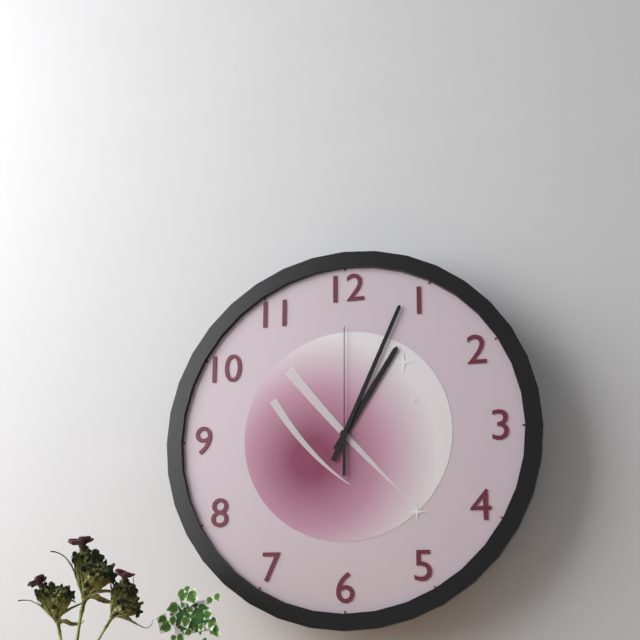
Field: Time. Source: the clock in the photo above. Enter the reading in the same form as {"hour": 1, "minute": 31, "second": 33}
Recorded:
{"hour": 1, "minute": 4, "second": 0}
